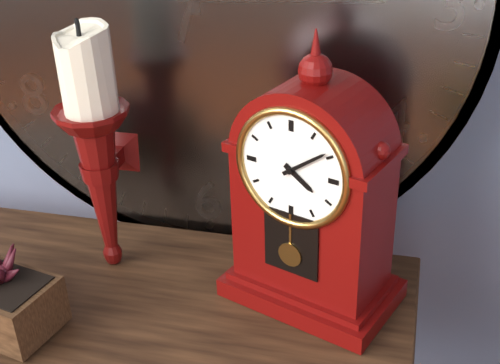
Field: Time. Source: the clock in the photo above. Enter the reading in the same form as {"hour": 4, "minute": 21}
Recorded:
{"hour": 4, "minute": 9}
